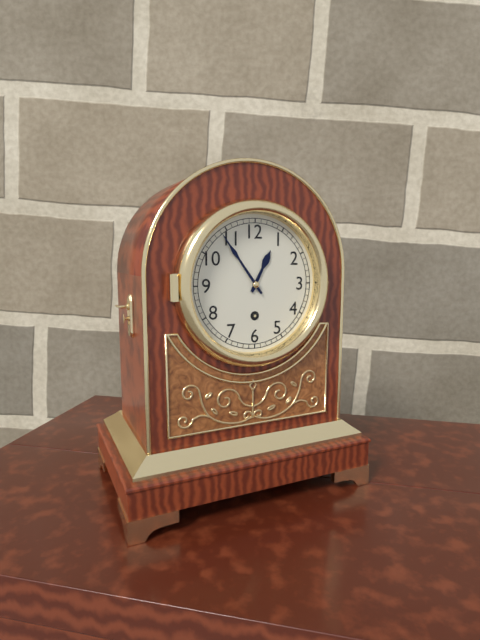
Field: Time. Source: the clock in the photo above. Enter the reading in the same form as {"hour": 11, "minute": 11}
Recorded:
{"hour": 12, "minute": 54}
